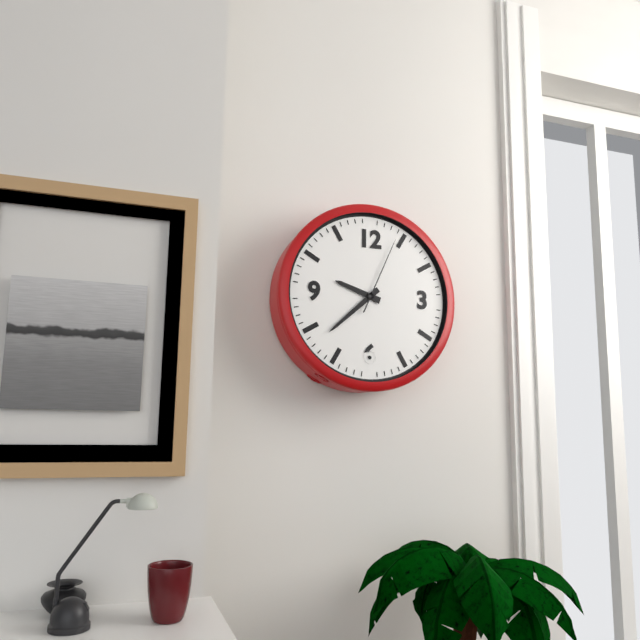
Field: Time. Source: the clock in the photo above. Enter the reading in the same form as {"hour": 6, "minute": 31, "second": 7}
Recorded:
{"hour": 9, "minute": 38, "second": 4}
